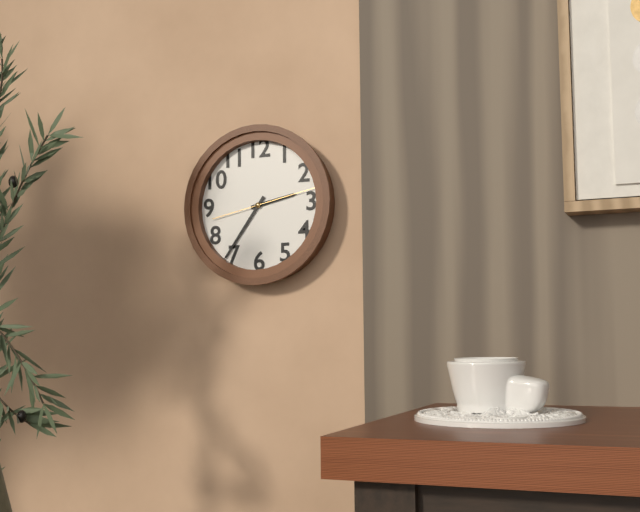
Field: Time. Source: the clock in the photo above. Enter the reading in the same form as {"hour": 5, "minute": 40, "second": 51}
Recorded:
{"hour": 2, "minute": 36, "second": 13}
